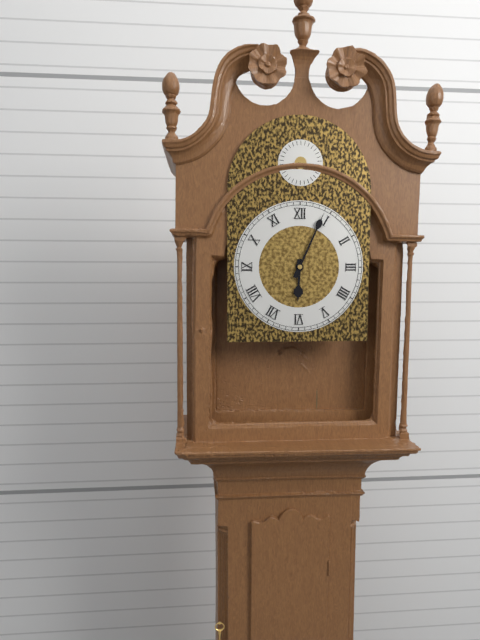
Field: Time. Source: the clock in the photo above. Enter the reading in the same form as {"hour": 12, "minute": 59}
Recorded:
{"hour": 6, "minute": 4}
